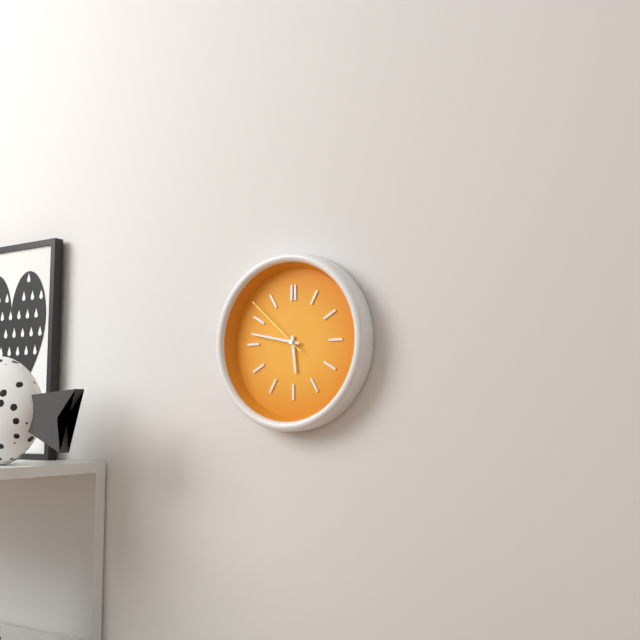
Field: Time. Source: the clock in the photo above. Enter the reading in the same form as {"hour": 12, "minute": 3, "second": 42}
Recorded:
{"hour": 5, "minute": 47, "second": 52}
